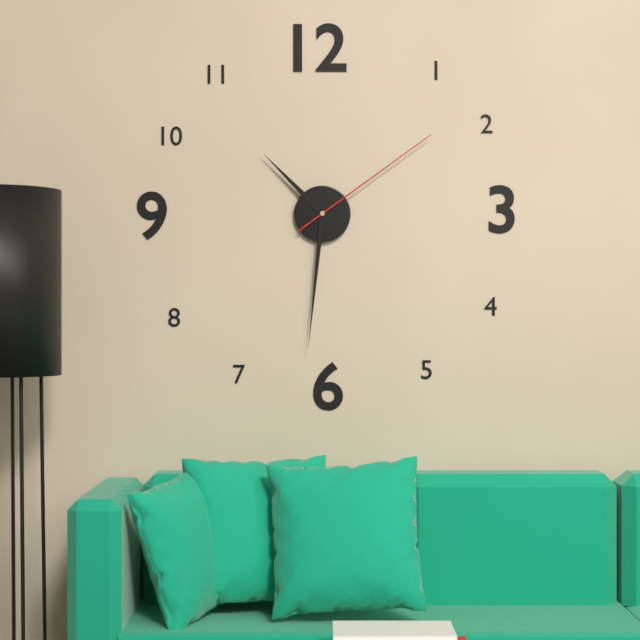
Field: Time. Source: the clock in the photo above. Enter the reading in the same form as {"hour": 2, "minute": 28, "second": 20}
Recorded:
{"hour": 10, "minute": 31, "second": 9}
